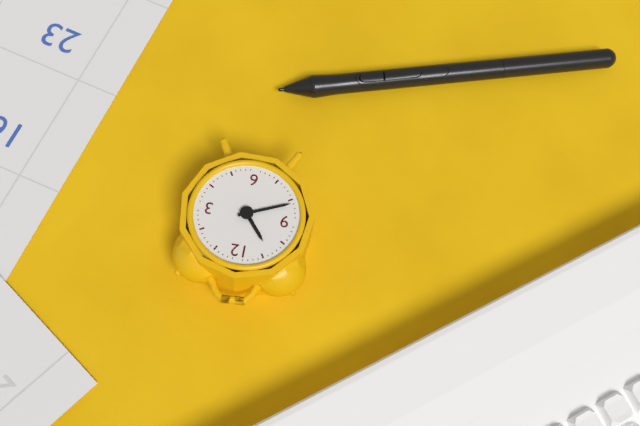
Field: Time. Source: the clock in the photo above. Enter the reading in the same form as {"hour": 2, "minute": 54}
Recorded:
{"hour": 10, "minute": 41}
